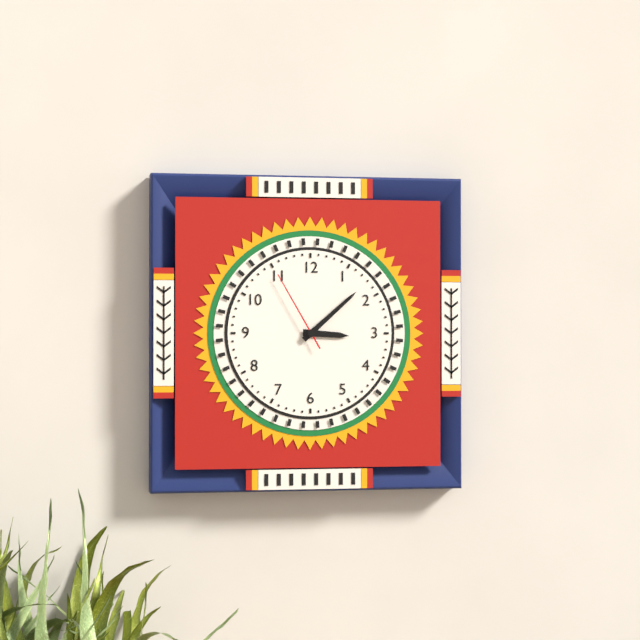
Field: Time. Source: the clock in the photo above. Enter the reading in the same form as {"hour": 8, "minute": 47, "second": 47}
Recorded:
{"hour": 3, "minute": 8, "second": 55}
